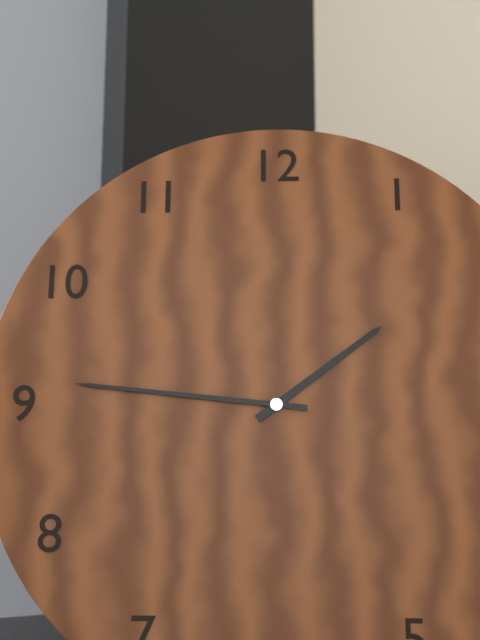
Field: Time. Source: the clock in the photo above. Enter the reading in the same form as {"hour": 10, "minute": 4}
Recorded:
{"hour": 1, "minute": 46}
